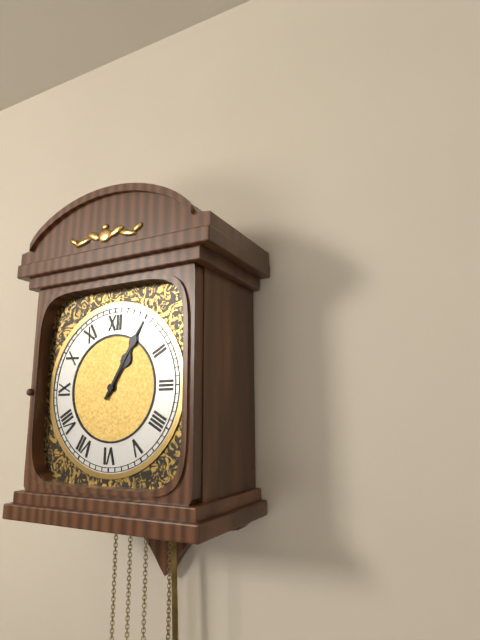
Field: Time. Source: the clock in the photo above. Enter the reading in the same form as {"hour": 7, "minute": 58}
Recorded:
{"hour": 1, "minute": 5}
